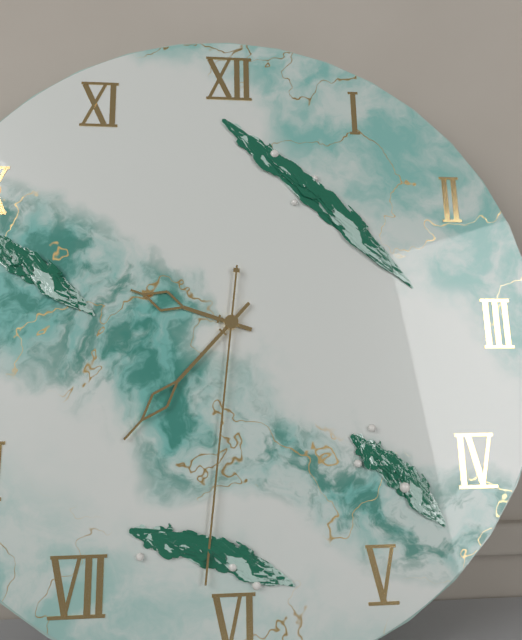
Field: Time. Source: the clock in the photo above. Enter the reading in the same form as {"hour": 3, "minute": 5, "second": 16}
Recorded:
{"hour": 9, "minute": 37, "second": 31}
